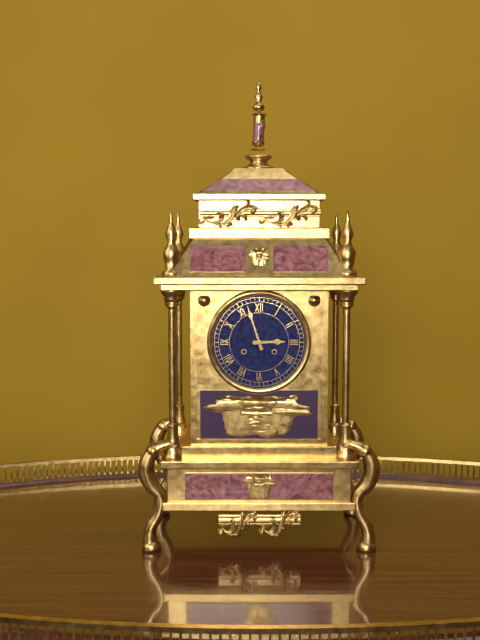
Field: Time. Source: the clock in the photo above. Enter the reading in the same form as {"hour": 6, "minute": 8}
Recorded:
{"hour": 2, "minute": 57}
